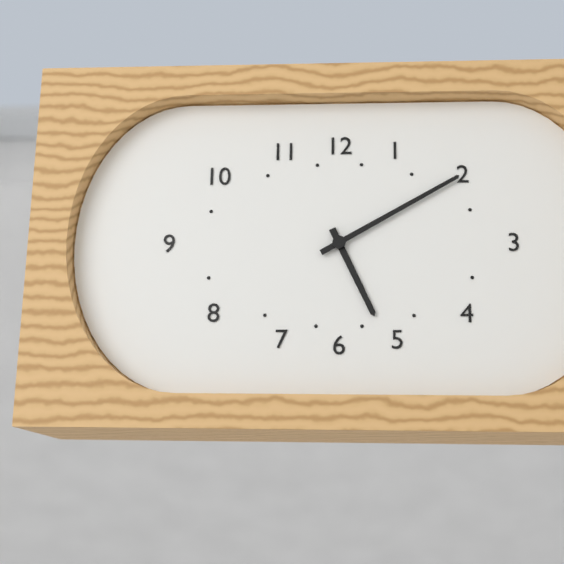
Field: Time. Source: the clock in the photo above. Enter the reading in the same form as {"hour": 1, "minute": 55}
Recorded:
{"hour": 5, "minute": 10}
